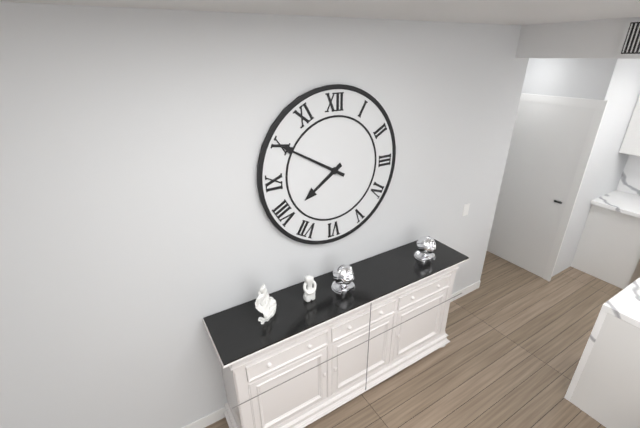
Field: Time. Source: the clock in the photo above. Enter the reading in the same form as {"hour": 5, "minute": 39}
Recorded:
{"hour": 7, "minute": 50}
